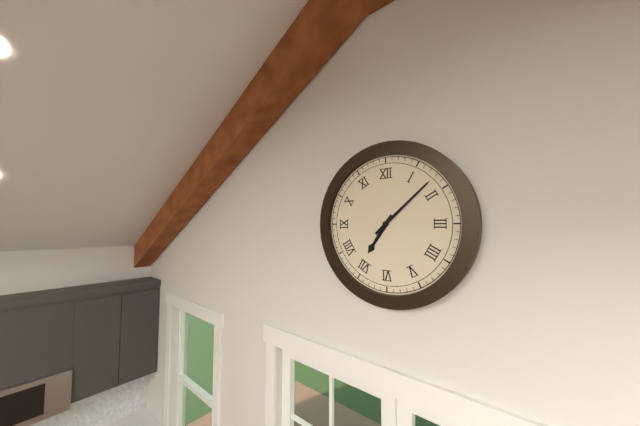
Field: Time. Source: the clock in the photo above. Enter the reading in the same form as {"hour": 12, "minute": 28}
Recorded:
{"hour": 7, "minute": 8}
